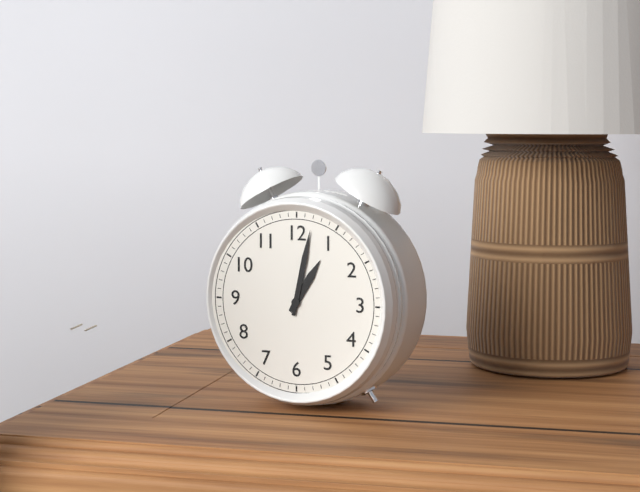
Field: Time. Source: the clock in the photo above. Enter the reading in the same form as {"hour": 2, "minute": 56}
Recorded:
{"hour": 1, "minute": 2}
